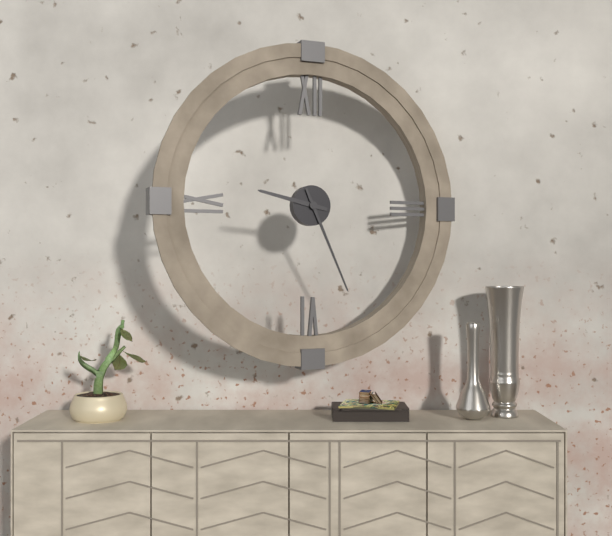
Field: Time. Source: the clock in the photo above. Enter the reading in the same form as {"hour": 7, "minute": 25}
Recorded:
{"hour": 9, "minute": 26}
